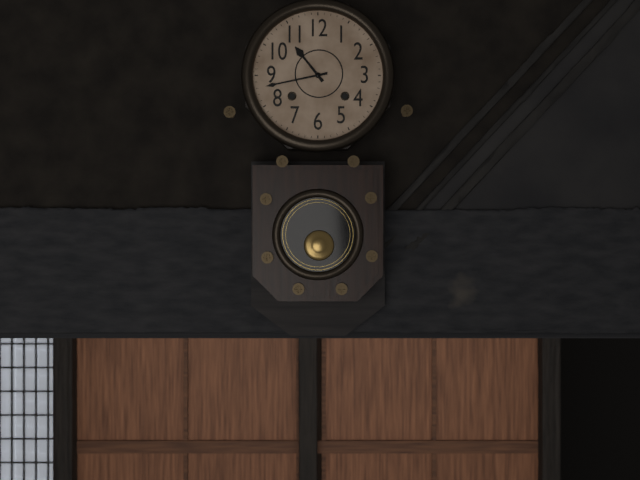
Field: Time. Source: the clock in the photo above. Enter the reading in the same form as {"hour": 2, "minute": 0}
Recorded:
{"hour": 10, "minute": 43}
